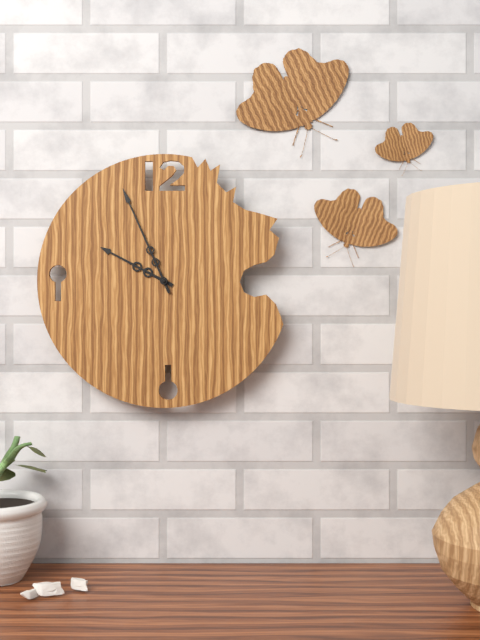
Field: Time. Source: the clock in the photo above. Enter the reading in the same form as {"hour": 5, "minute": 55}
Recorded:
{"hour": 9, "minute": 56}
